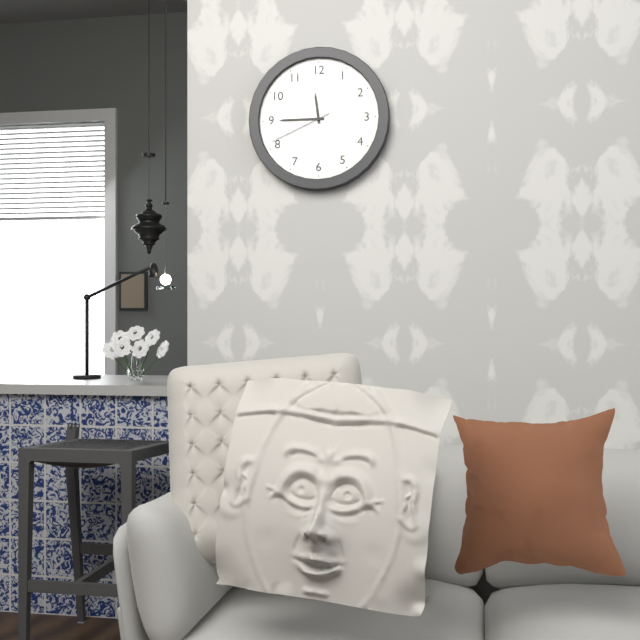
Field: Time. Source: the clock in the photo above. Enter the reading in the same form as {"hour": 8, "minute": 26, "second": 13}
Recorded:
{"hour": 11, "minute": 45, "second": 41}
